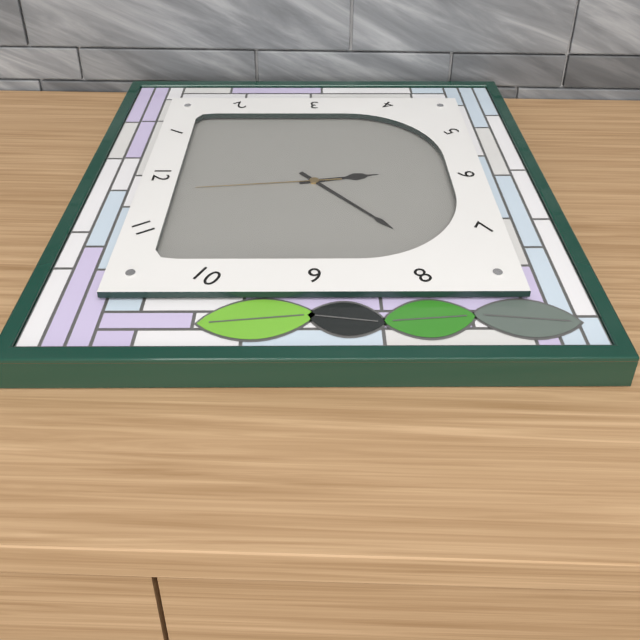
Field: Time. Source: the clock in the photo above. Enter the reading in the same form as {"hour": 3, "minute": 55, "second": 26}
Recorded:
{"hour": 5, "minute": 38, "second": 59}
